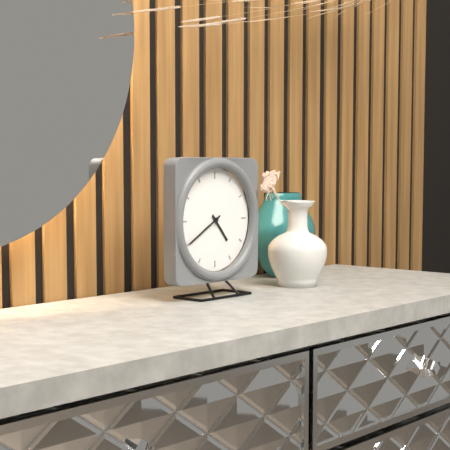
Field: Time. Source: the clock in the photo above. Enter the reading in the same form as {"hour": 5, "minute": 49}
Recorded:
{"hour": 4, "minute": 40}
